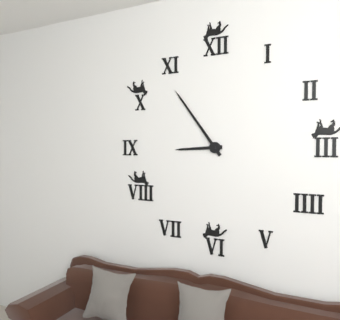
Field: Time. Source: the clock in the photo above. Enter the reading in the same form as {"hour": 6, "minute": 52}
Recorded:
{"hour": 8, "minute": 54}
